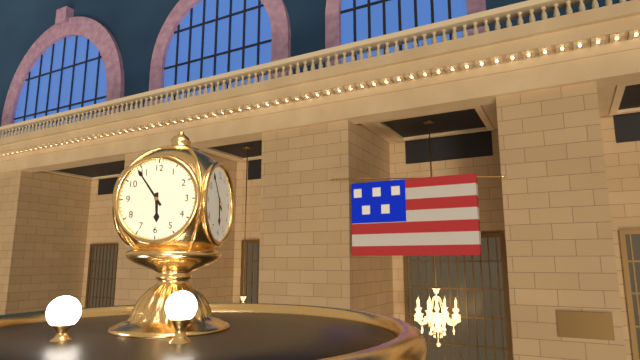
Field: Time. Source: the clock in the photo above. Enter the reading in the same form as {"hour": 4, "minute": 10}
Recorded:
{"hour": 5, "minute": 54}
